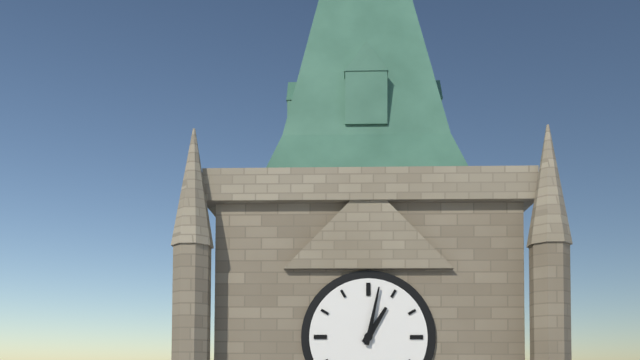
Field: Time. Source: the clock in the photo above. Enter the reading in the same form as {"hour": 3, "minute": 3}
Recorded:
{"hour": 1, "minute": 2}
